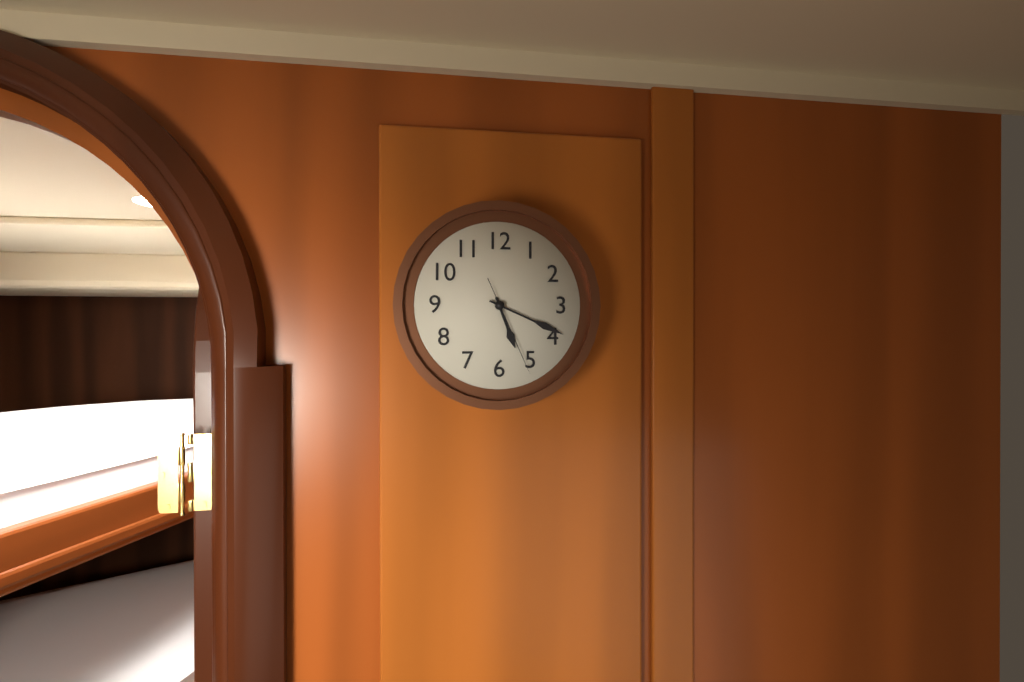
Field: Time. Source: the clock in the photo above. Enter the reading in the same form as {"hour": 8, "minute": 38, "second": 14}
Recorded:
{"hour": 5, "minute": 19, "second": 26}
